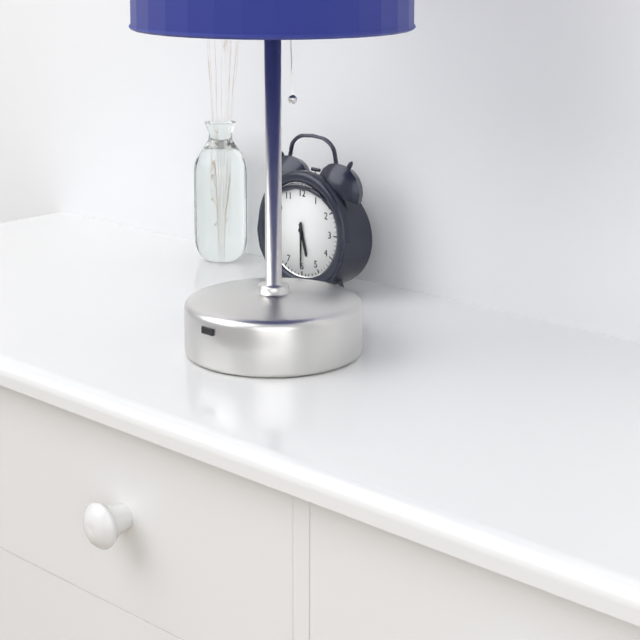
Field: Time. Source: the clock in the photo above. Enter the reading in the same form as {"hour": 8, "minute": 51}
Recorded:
{"hour": 5, "minute": 30}
